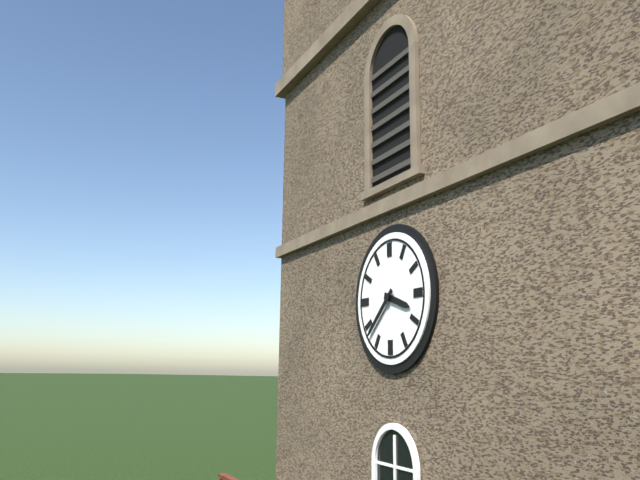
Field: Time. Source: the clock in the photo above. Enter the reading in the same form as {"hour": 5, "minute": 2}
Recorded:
{"hour": 3, "minute": 38}
